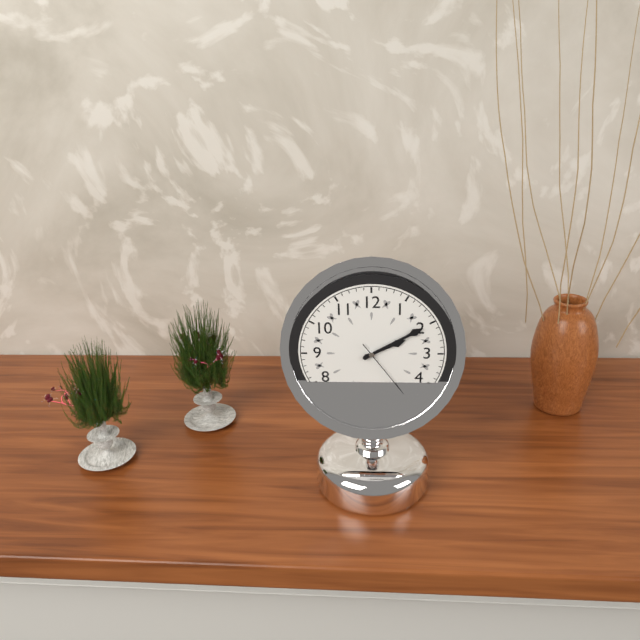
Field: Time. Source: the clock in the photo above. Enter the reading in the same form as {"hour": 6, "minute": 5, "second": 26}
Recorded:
{"hour": 2, "minute": 10, "second": 24}
